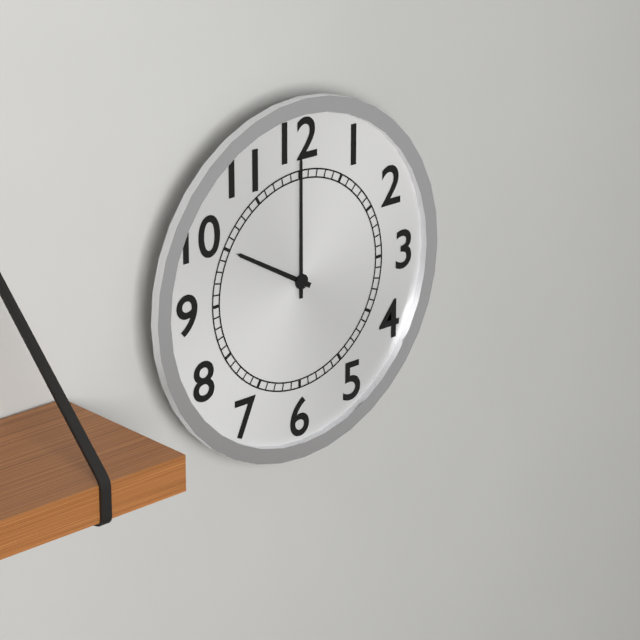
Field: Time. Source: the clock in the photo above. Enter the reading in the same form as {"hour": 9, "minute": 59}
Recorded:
{"hour": 10, "minute": 0}
